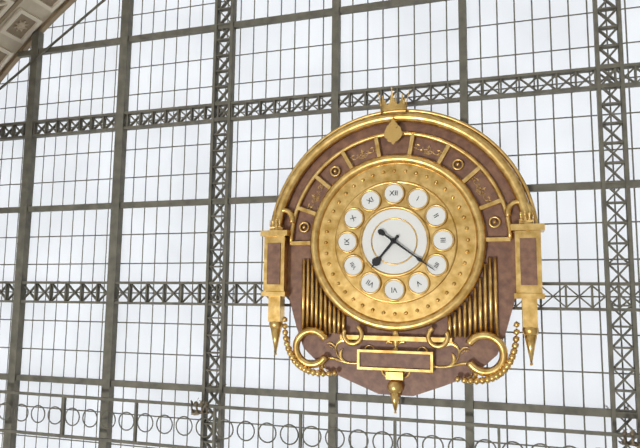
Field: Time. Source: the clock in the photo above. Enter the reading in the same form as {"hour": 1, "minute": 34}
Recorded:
{"hour": 7, "minute": 21}
